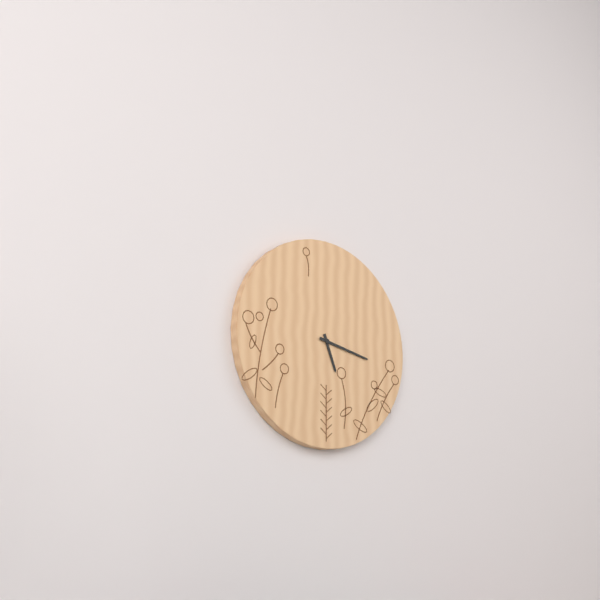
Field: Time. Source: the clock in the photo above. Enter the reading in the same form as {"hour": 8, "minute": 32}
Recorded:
{"hour": 5, "minute": 17}
